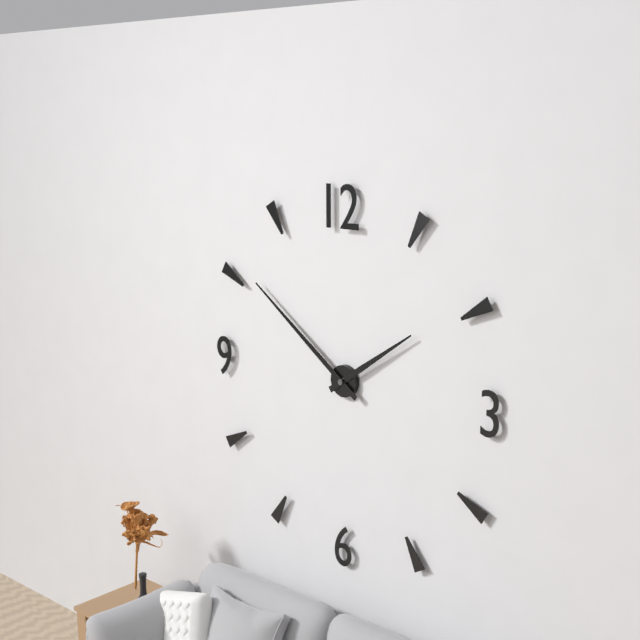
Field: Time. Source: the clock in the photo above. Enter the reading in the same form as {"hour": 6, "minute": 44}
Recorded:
{"hour": 1, "minute": 51}
